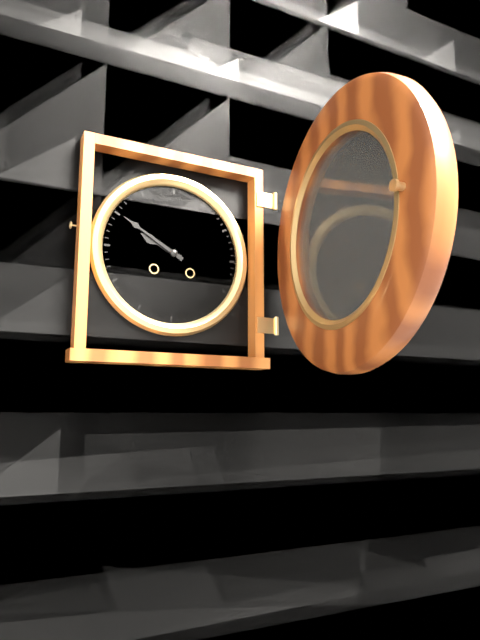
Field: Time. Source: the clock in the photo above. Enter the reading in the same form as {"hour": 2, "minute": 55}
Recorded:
{"hour": 9, "minute": 50}
